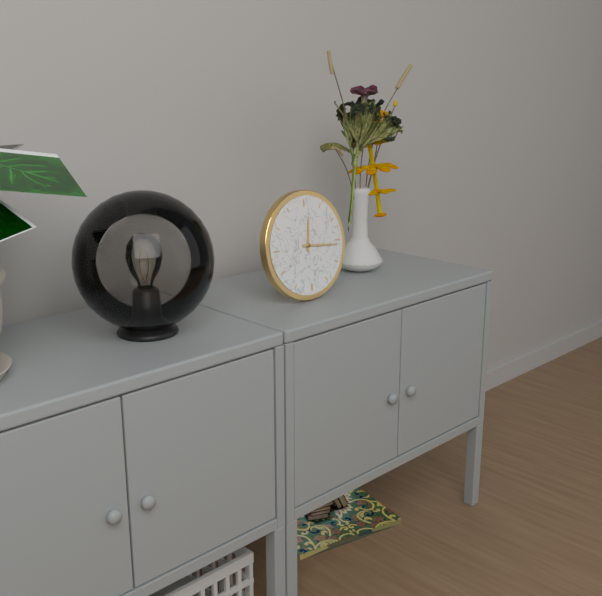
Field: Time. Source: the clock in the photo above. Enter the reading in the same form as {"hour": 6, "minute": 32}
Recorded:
{"hour": 12, "minute": 16}
